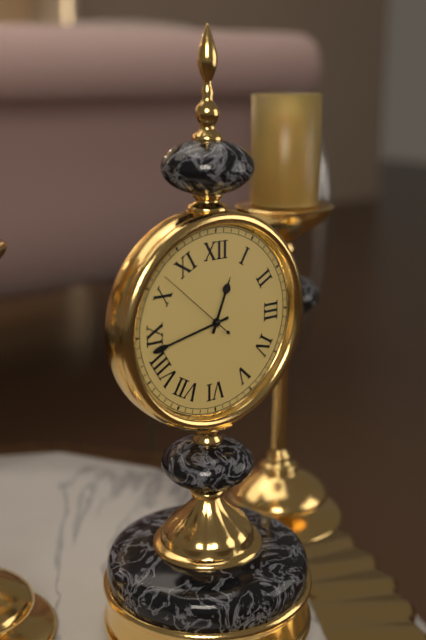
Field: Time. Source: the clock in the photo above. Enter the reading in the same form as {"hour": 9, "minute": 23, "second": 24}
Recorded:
{"hour": 12, "minute": 43, "second": 52}
